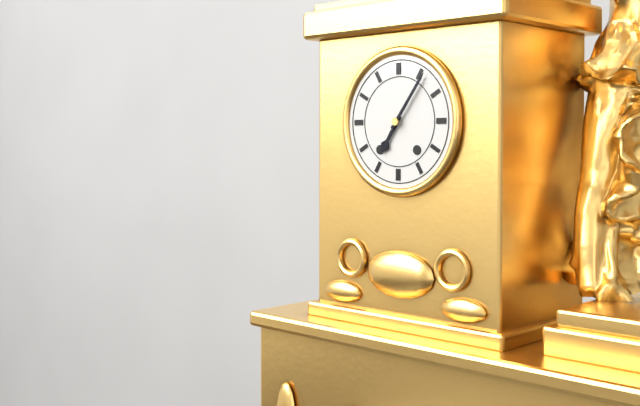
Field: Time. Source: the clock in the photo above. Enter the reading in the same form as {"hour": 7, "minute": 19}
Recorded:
{"hour": 7, "minute": 6}
